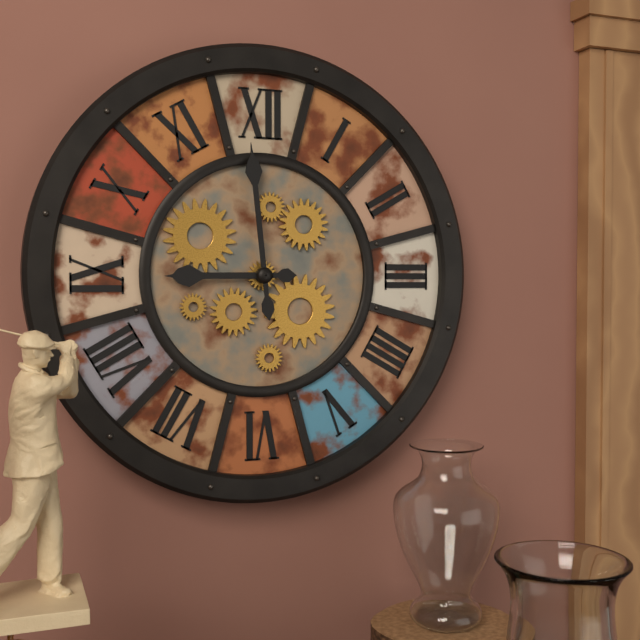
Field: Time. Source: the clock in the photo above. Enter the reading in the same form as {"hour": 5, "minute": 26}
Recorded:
{"hour": 8, "minute": 59}
